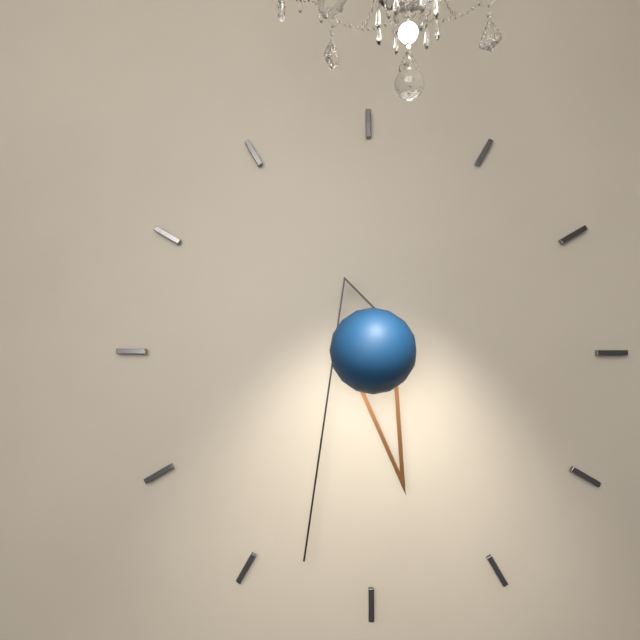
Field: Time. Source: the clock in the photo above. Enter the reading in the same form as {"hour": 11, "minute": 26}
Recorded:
{"hour": 5, "minute": 33}
